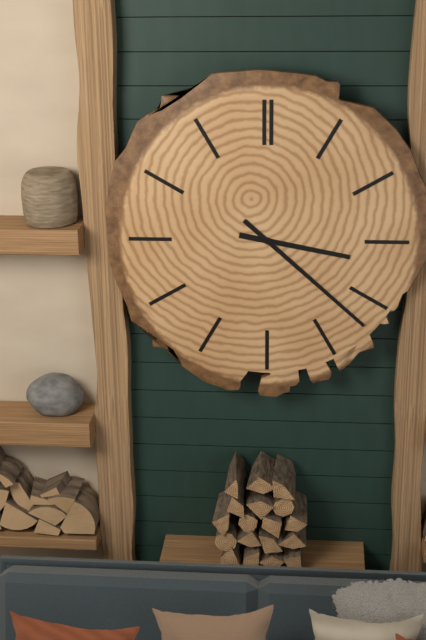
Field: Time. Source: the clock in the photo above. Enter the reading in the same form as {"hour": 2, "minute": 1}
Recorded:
{"hour": 3, "minute": 22}
